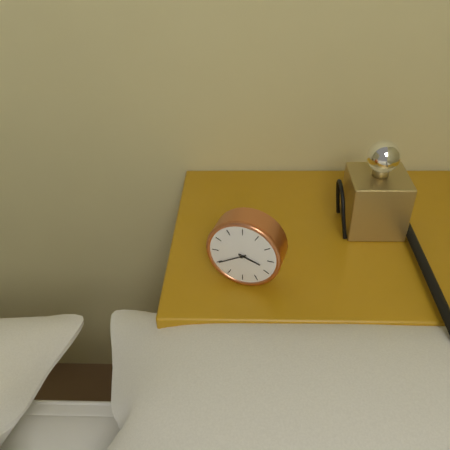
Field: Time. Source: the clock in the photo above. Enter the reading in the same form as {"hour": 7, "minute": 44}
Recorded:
{"hour": 3, "minute": 40}
